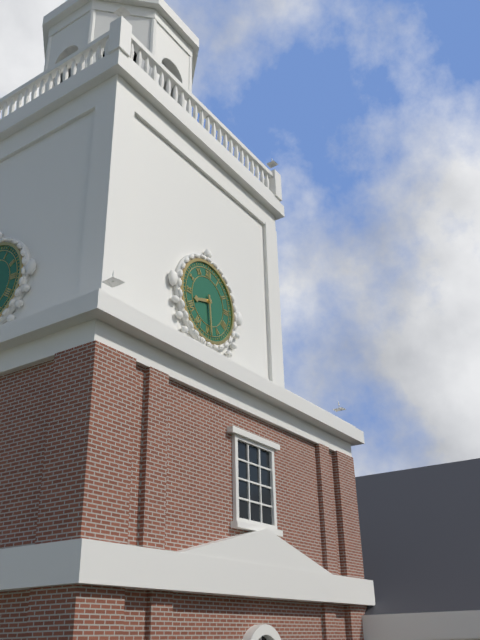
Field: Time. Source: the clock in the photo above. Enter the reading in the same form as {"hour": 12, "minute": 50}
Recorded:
{"hour": 8, "minute": 29}
